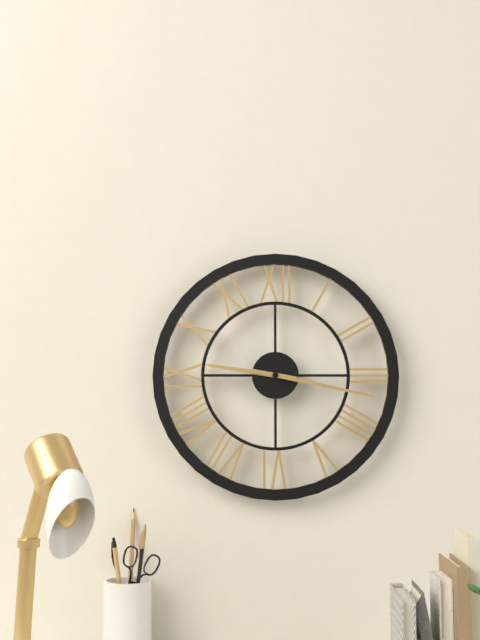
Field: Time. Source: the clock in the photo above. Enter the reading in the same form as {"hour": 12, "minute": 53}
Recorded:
{"hour": 9, "minute": 17}
